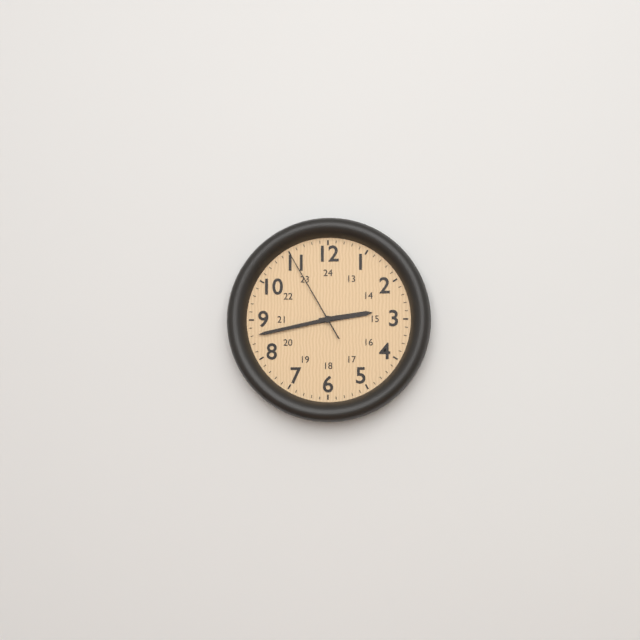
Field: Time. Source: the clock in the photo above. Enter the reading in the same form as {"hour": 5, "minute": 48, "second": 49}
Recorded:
{"hour": 2, "minute": 43, "second": 55}
